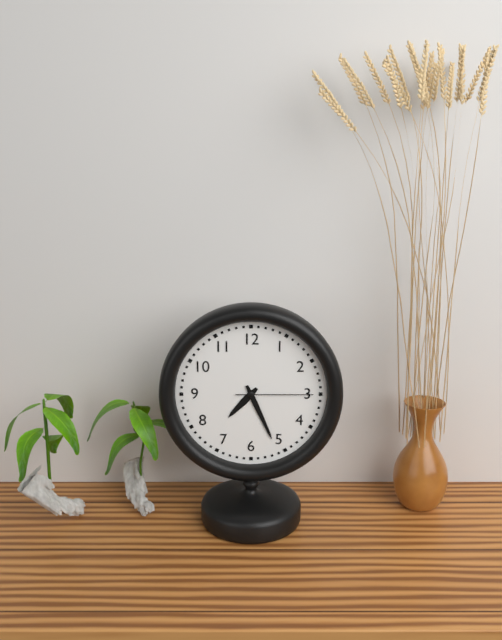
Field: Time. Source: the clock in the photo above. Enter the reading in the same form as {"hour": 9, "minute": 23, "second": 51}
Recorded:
{"hour": 7, "minute": 26, "second": 15}
